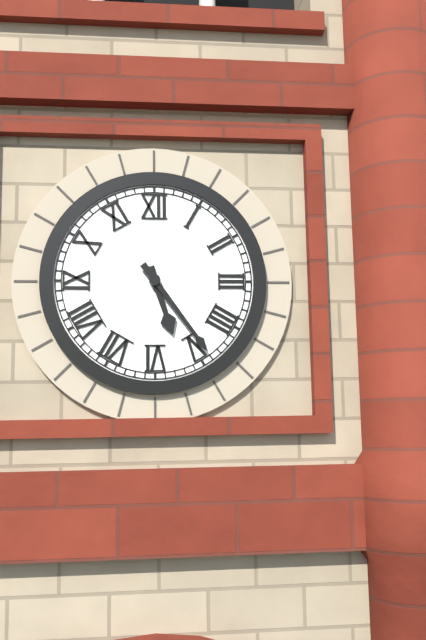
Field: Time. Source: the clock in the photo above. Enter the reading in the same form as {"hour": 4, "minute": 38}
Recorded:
{"hour": 5, "minute": 24}
